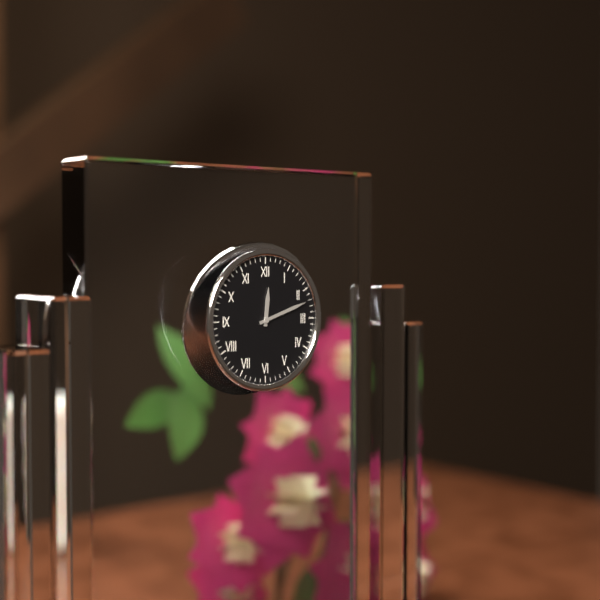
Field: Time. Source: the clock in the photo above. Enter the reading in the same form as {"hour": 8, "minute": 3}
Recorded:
{"hour": 12, "minute": 12}
